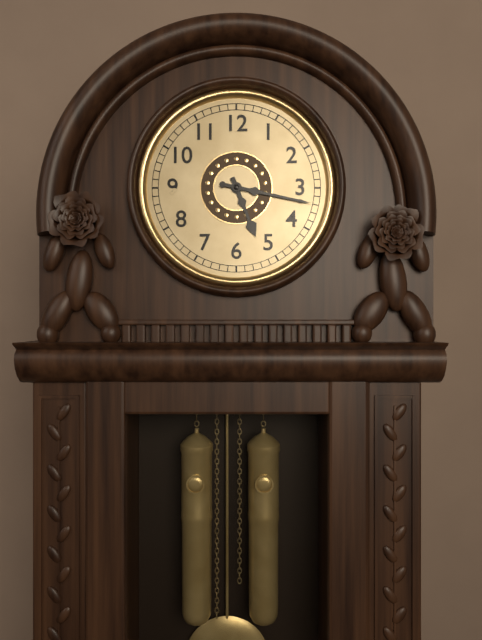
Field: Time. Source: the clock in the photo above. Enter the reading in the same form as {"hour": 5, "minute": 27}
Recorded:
{"hour": 5, "minute": 17}
